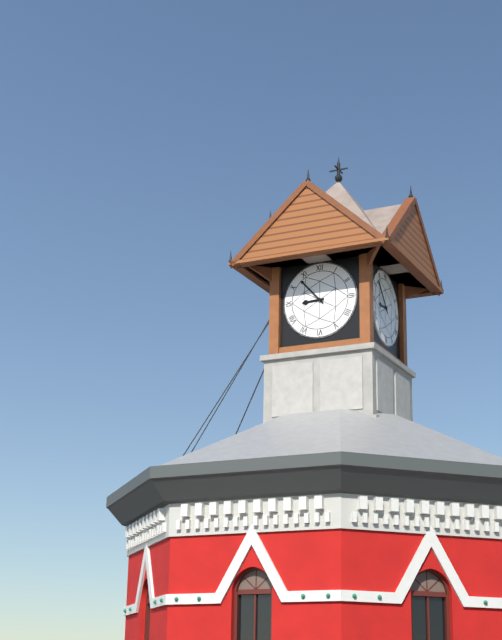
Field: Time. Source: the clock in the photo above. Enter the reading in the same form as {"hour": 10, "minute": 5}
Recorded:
{"hour": 8, "minute": 53}
